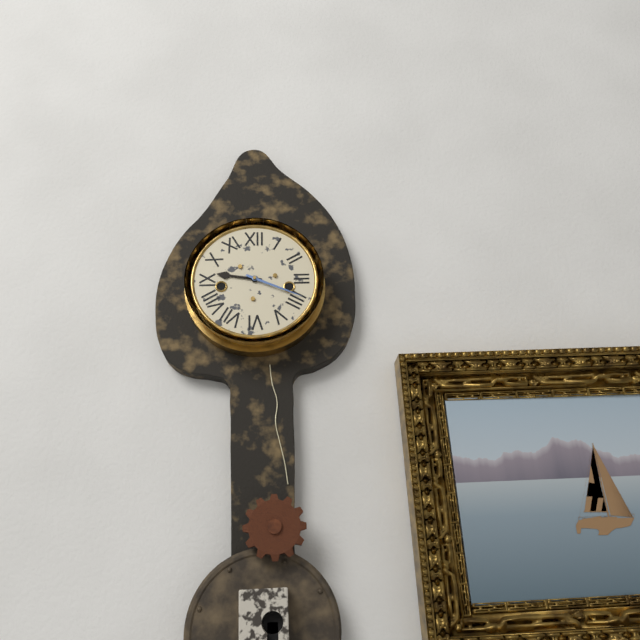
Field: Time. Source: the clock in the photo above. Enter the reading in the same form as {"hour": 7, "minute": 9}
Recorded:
{"hour": 9, "minute": 19}
